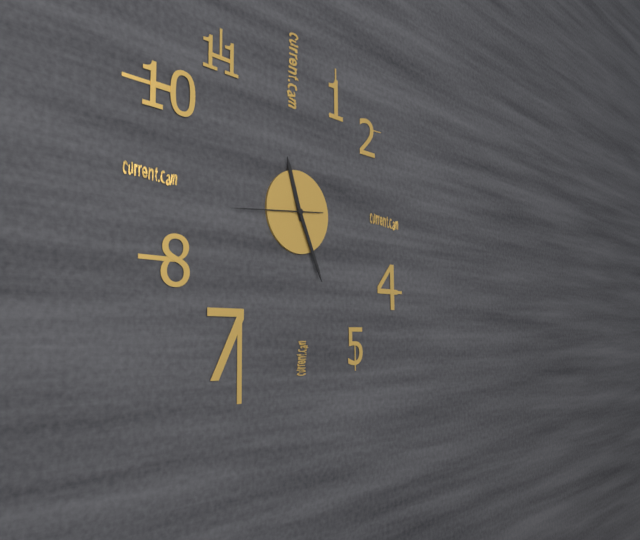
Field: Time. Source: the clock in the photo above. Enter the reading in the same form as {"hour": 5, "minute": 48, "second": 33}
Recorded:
{"hour": 11, "minute": 26, "second": 44}
